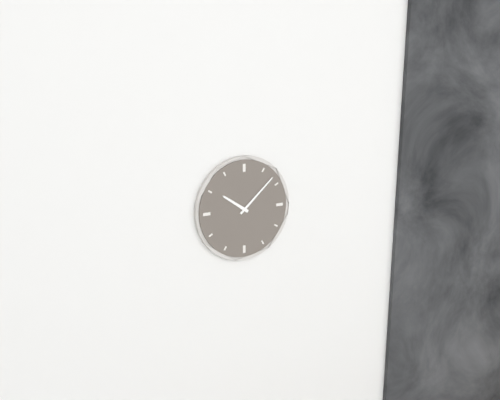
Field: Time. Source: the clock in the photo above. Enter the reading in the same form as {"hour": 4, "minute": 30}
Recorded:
{"hour": 10, "minute": 8}
